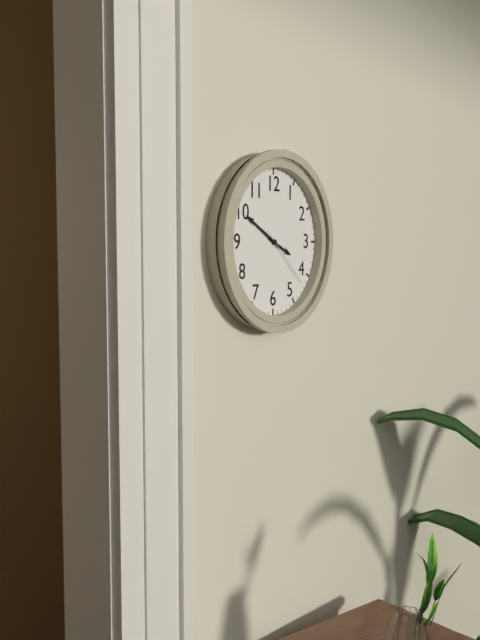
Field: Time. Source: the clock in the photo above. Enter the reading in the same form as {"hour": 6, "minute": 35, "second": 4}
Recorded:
{"hour": 3, "minute": 50, "second": 22}
